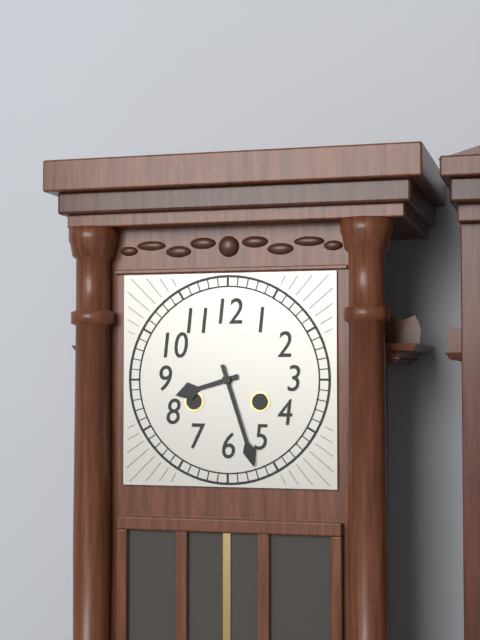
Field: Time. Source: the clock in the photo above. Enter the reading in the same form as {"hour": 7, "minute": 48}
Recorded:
{"hour": 8, "minute": 27}
